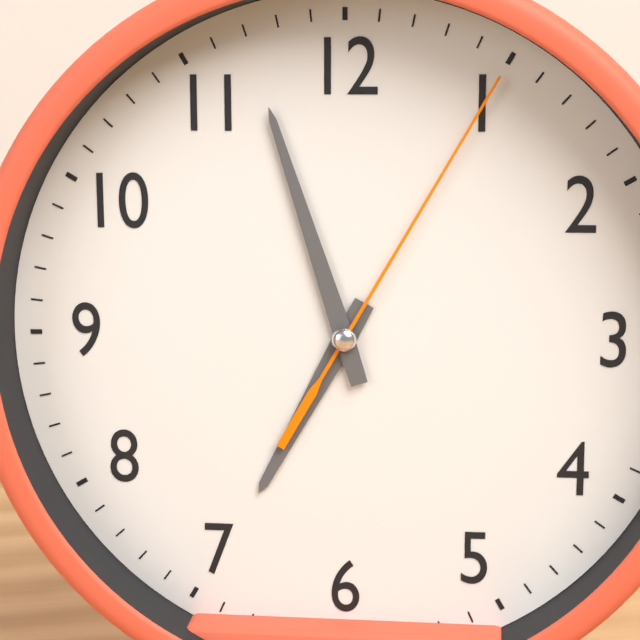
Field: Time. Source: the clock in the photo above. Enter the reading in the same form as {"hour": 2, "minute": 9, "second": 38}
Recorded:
{"hour": 6, "minute": 57, "second": 5}
